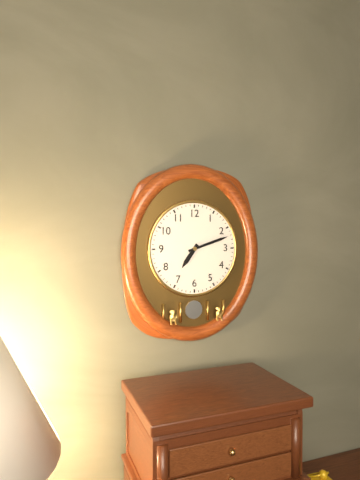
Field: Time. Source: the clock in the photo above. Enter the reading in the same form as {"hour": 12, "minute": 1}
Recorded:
{"hour": 7, "minute": 12}
